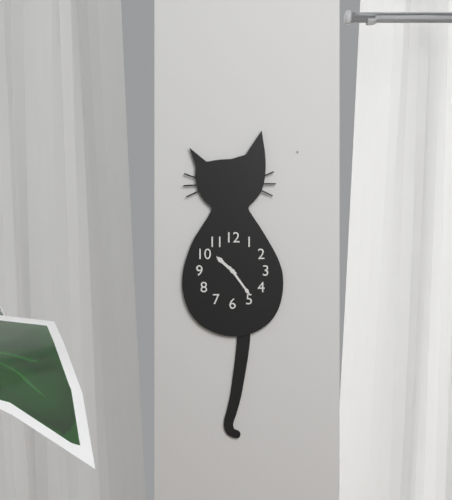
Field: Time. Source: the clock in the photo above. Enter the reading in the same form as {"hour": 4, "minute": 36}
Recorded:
{"hour": 10, "minute": 24}
